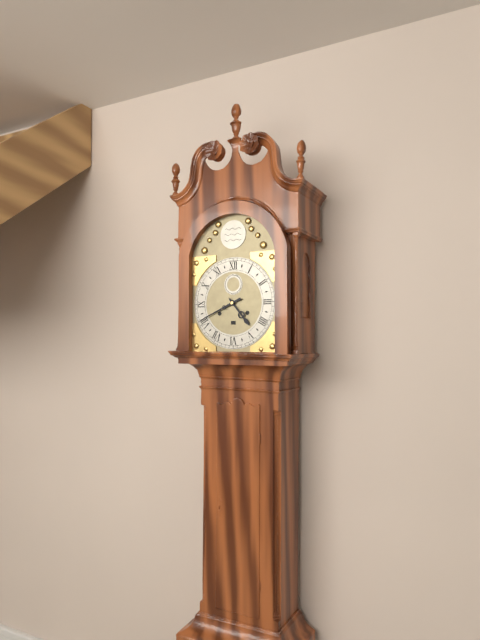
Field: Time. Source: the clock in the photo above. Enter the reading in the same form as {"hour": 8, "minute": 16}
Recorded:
{"hour": 4, "minute": 41}
